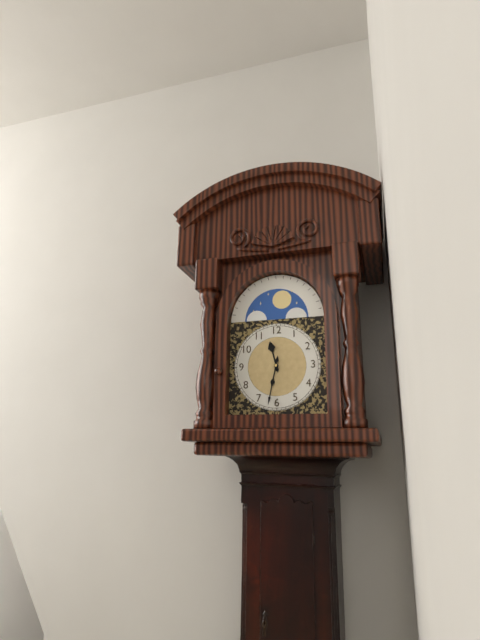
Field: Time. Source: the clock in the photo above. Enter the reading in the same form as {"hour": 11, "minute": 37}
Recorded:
{"hour": 11, "minute": 32}
